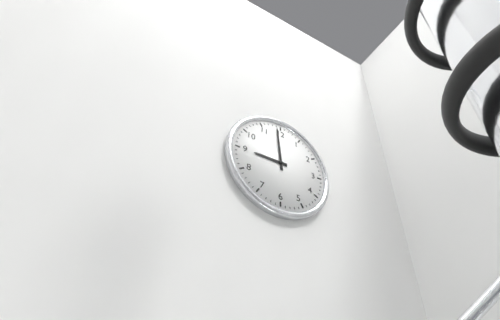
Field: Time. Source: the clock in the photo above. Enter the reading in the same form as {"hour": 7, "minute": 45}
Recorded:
{"hour": 8, "minute": 59}
